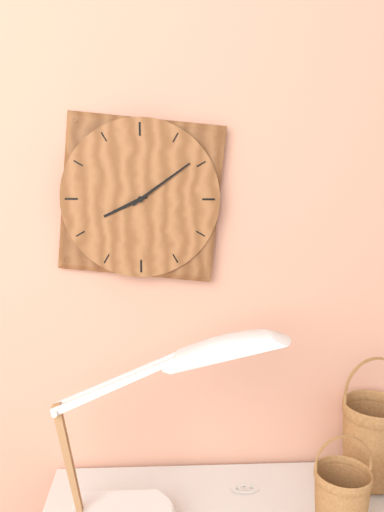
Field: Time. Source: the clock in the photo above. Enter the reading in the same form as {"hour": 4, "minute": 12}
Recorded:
{"hour": 8, "minute": 9}
